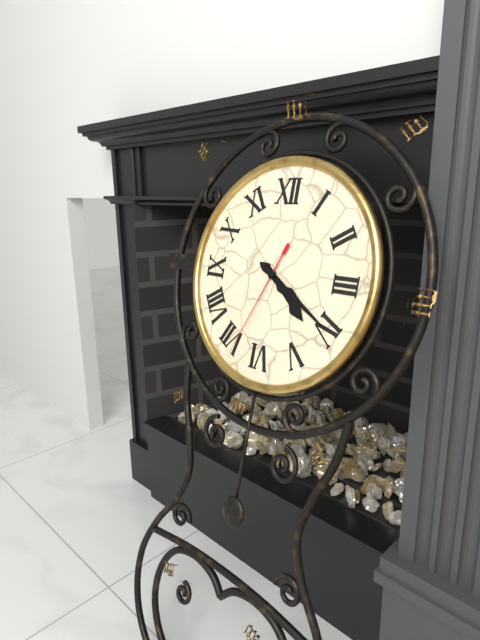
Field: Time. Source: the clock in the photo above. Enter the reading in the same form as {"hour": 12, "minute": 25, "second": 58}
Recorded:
{"hour": 4, "minute": 20, "second": 34}
